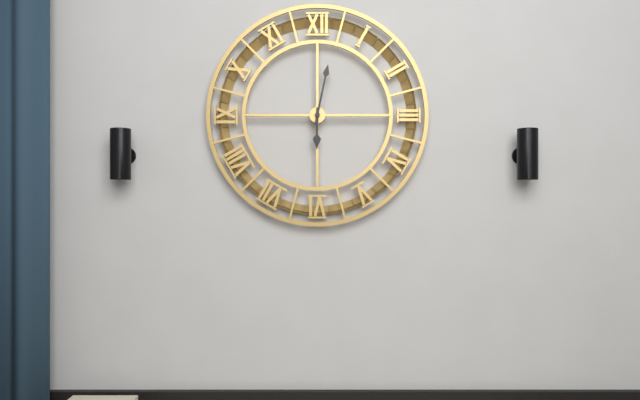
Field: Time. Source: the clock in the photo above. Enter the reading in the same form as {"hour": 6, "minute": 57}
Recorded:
{"hour": 6, "minute": 2}
